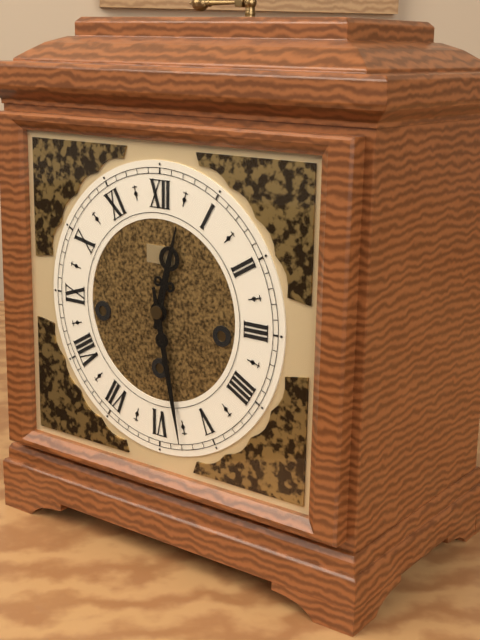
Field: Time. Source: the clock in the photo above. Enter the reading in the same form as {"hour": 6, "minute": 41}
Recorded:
{"hour": 12, "minute": 28}
